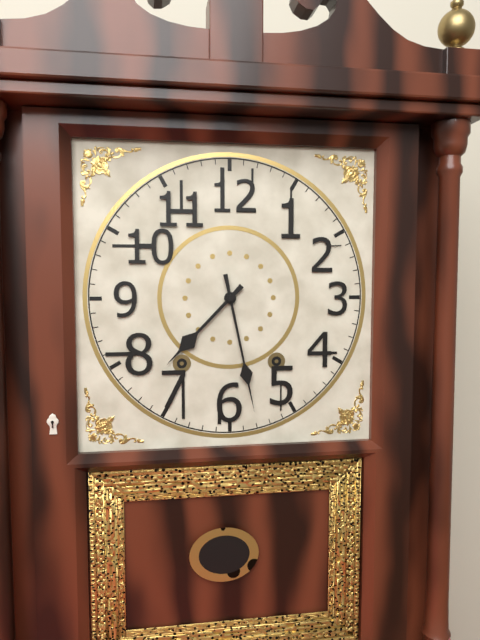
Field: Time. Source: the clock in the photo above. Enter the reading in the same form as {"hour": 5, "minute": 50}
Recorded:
{"hour": 7, "minute": 28}
